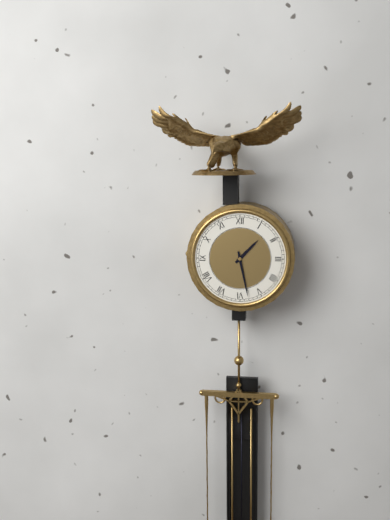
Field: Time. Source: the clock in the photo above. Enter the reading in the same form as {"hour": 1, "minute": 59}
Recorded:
{"hour": 1, "minute": 28}
